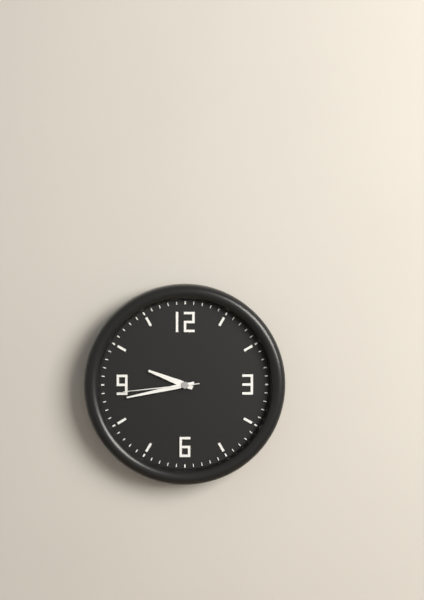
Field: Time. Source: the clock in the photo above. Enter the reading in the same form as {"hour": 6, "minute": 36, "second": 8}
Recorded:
{"hour": 9, "minute": 43, "second": 44}
